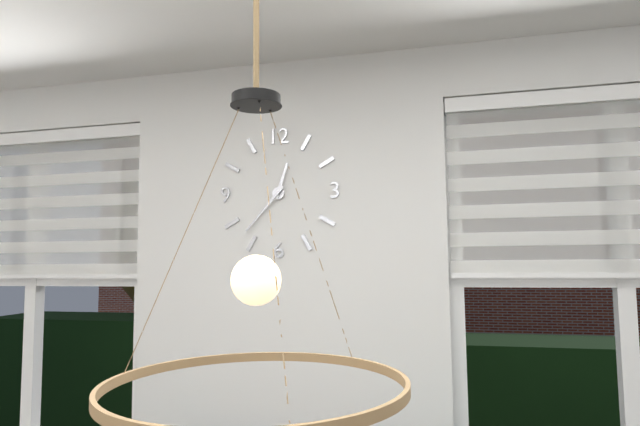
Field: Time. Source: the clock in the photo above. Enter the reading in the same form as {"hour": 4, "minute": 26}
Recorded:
{"hour": 12, "minute": 37}
